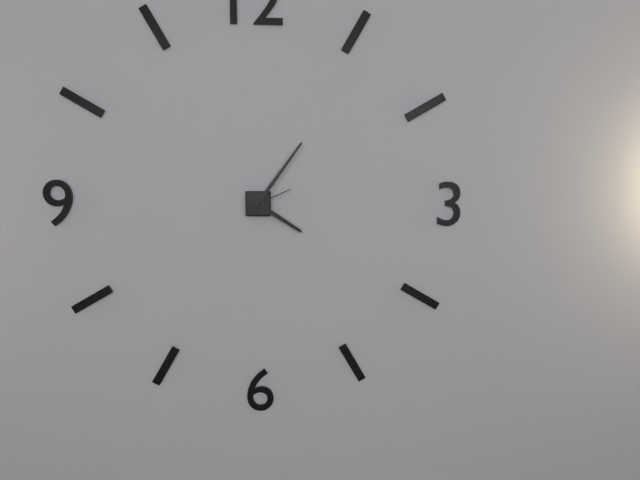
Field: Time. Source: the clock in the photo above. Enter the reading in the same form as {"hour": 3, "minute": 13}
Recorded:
{"hour": 4, "minute": 6}
